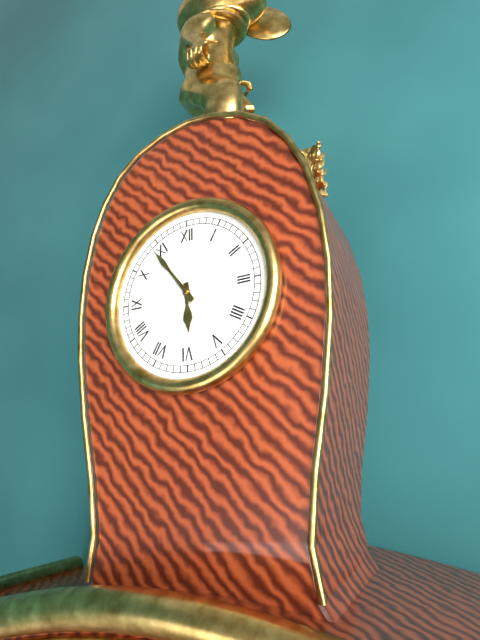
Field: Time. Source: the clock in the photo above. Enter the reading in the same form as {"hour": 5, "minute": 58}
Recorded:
{"hour": 5, "minute": 54}
